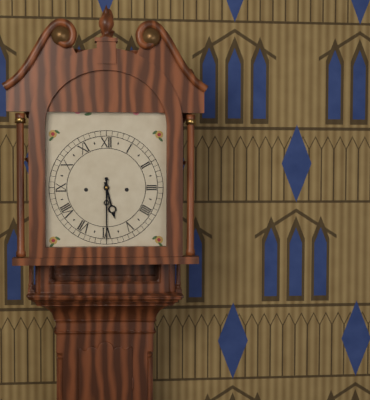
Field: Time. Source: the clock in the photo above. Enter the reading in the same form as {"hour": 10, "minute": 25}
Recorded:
{"hour": 5, "minute": 30}
